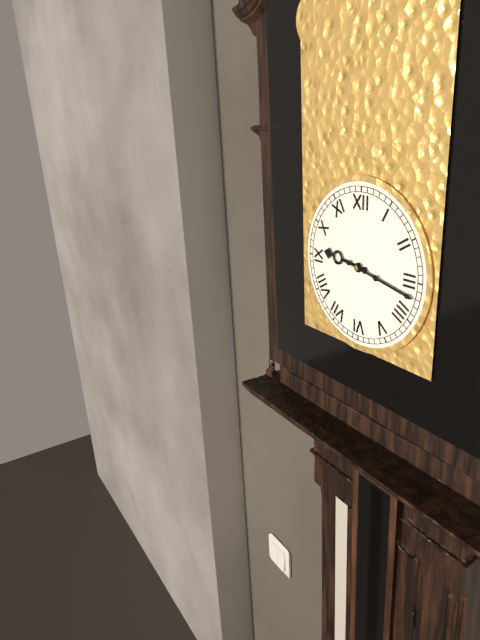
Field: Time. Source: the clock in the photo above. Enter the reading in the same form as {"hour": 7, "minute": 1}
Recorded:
{"hour": 9, "minute": 17}
